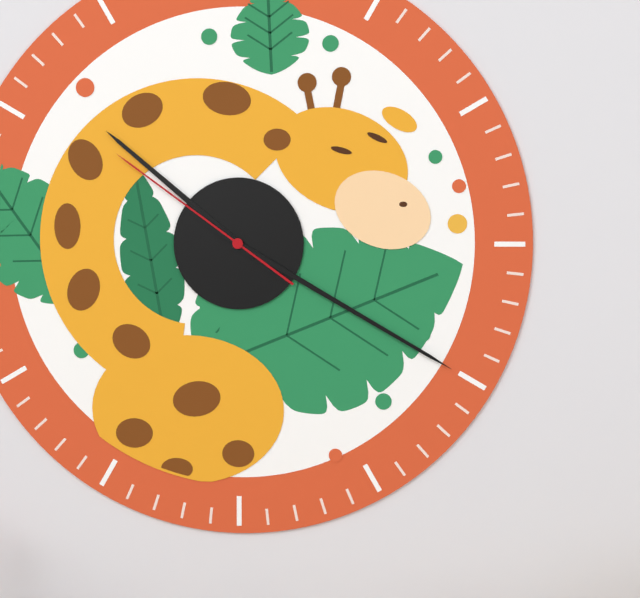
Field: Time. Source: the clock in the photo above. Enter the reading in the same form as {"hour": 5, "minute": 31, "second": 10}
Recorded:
{"hour": 10, "minute": 20, "second": 51}
